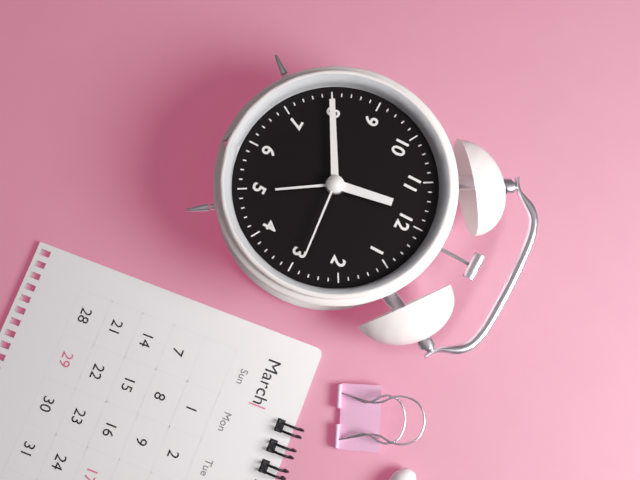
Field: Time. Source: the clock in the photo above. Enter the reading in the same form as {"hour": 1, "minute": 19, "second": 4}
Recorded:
{"hour": 11, "minute": 40, "second": 14}
